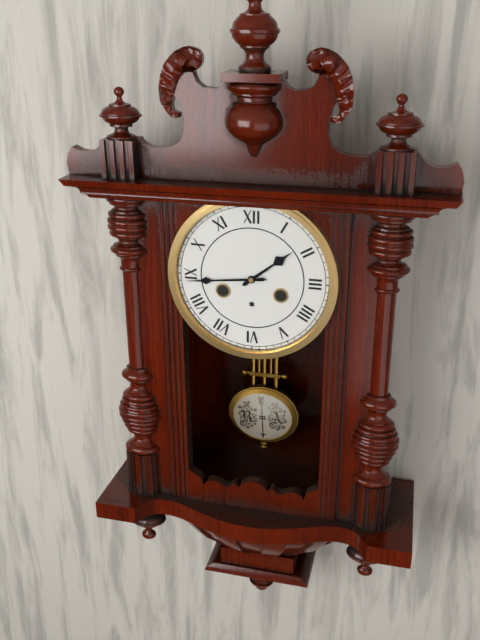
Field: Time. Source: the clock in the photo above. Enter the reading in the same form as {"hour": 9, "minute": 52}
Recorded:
{"hour": 1, "minute": 44}
